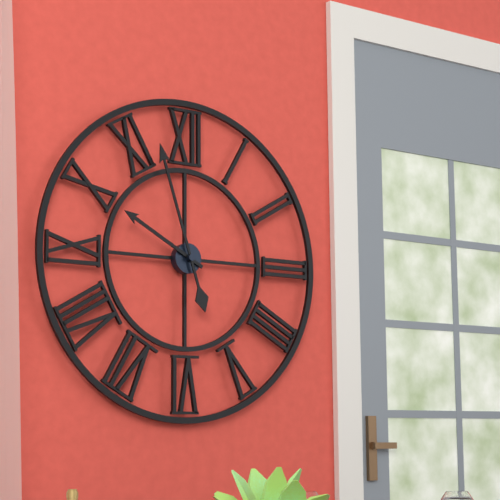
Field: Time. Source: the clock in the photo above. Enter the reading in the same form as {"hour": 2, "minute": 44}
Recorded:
{"hour": 9, "minute": 57}
